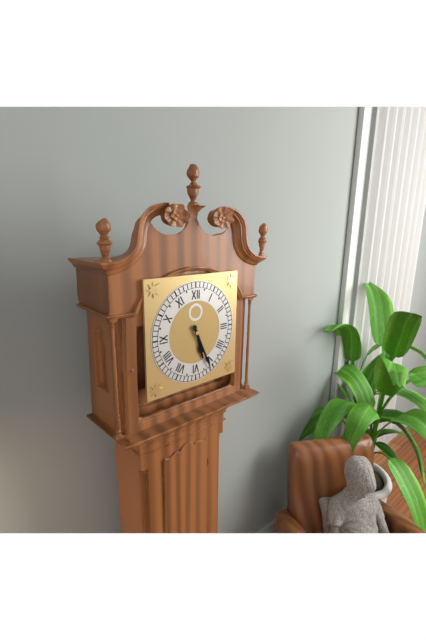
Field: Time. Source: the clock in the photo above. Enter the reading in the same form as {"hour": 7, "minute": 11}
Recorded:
{"hour": 5, "minute": 26}
